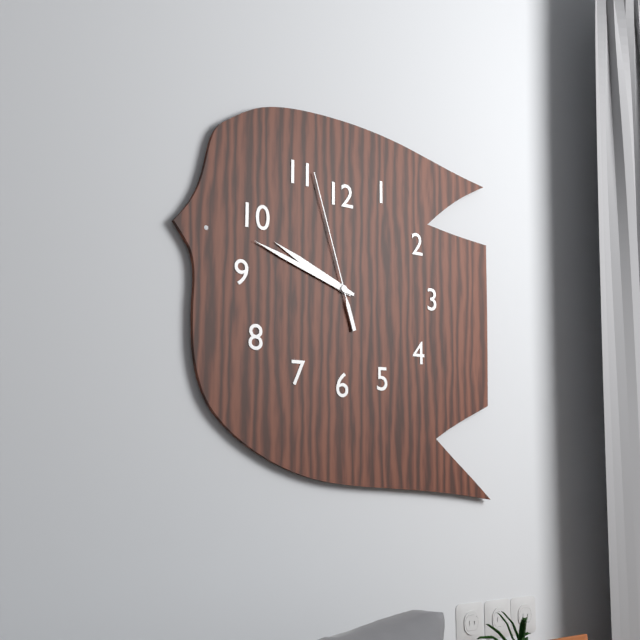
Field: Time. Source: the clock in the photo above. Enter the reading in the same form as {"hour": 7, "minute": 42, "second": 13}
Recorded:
{"hour": 9, "minute": 48, "second": 57}
